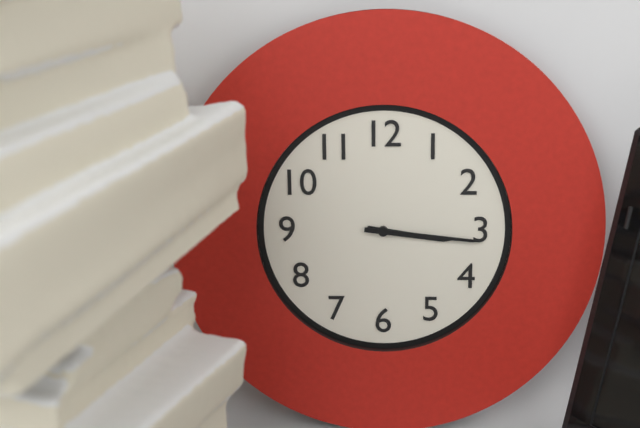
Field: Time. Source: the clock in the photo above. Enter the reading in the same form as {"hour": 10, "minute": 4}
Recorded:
{"hour": 3, "minute": 16}
